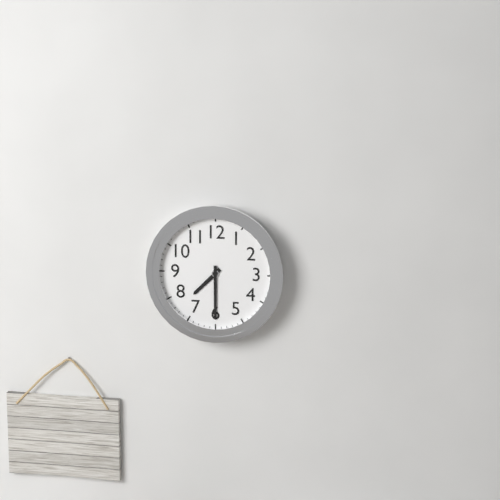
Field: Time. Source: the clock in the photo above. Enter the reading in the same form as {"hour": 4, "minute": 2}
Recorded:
{"hour": 7, "minute": 30}
